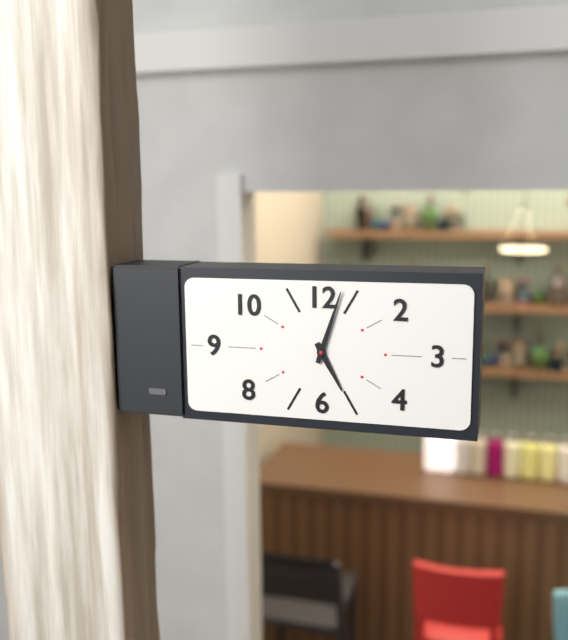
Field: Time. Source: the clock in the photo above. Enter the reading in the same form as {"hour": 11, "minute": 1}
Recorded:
{"hour": 5, "minute": 3}
